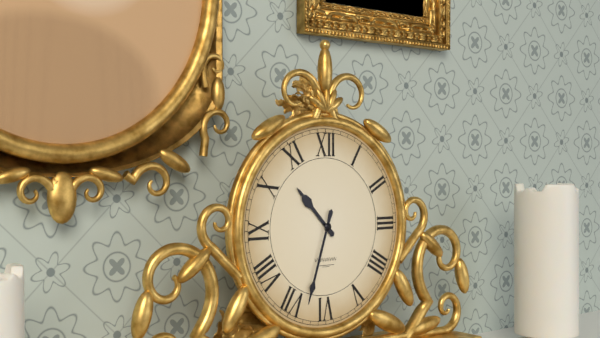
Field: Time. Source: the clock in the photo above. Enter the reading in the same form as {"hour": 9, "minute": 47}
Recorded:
{"hour": 10, "minute": 33}
